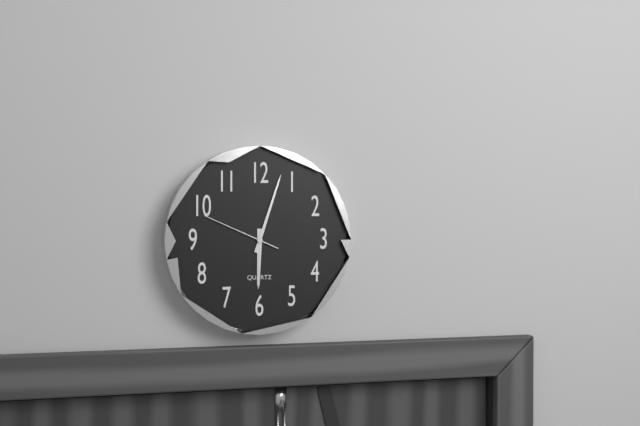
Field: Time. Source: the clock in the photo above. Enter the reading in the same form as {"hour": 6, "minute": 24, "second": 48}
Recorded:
{"hour": 6, "minute": 3, "second": 49}
